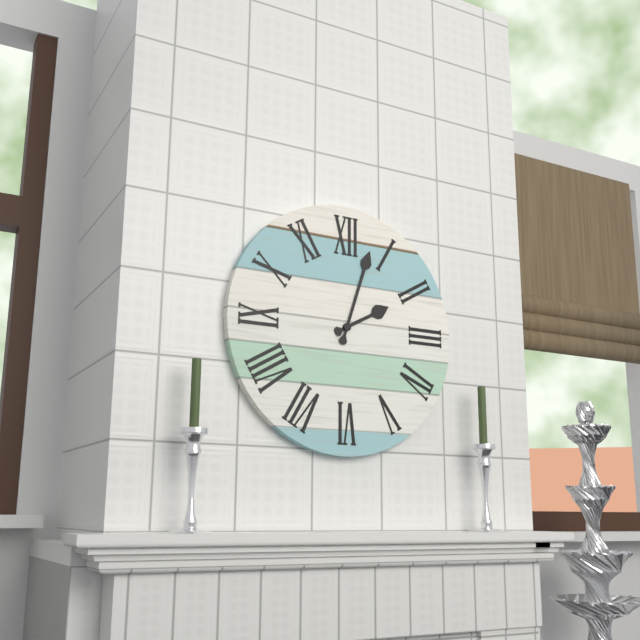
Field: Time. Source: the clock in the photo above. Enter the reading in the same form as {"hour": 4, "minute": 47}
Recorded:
{"hour": 2, "minute": 3}
